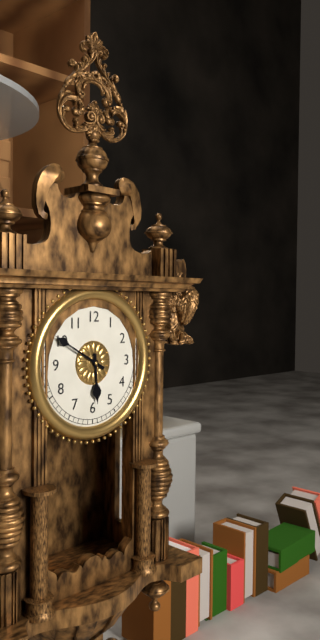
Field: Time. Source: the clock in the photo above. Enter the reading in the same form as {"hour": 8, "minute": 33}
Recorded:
{"hour": 5, "minute": 50}
